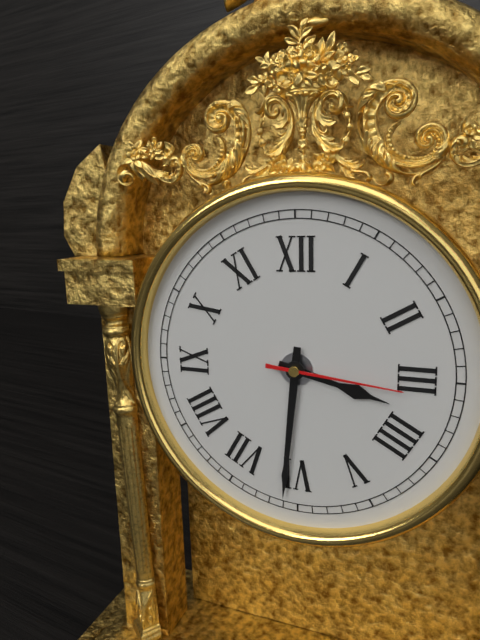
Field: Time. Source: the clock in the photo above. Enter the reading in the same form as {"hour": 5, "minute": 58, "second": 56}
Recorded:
{"hour": 3, "minute": 31, "second": 16}
